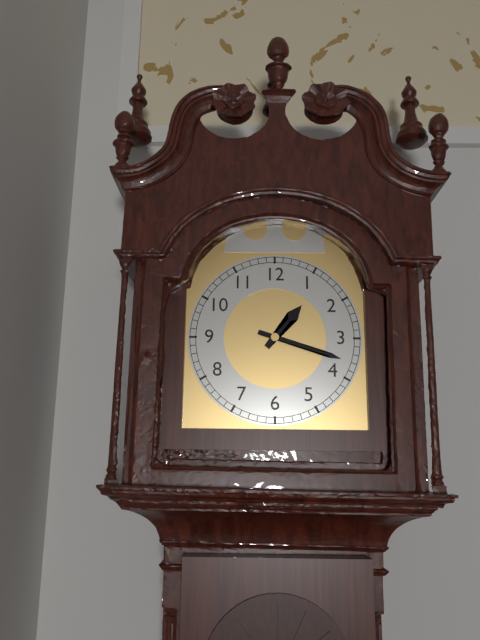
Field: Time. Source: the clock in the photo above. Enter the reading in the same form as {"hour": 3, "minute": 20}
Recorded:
{"hour": 1, "minute": 18}
